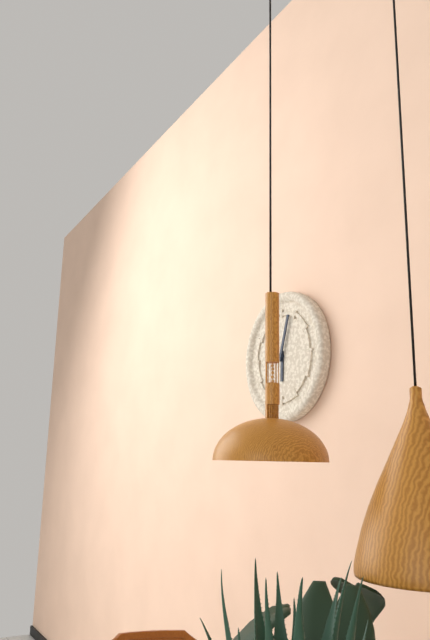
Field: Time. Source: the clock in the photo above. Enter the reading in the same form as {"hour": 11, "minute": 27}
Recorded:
{"hour": 6, "minute": 3}
